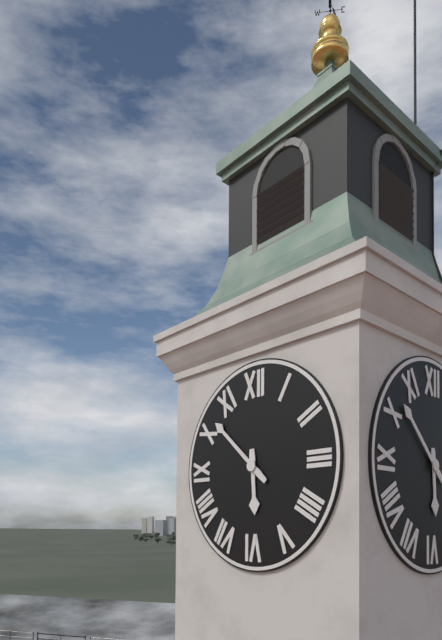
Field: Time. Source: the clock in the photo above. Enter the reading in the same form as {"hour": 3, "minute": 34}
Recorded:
{"hour": 5, "minute": 52}
